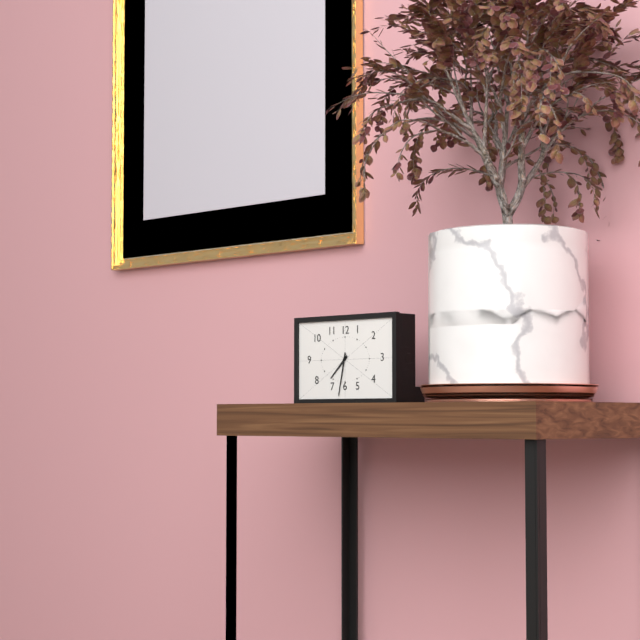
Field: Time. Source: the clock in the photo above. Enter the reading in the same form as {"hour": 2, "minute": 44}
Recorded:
{"hour": 7, "minute": 32}
